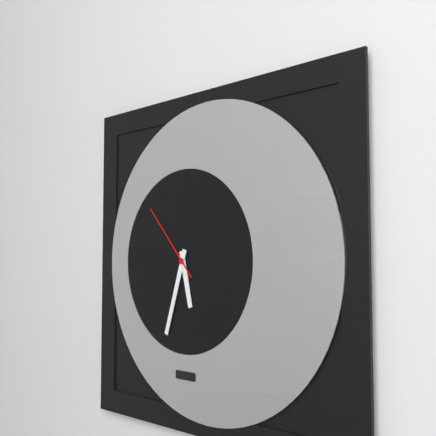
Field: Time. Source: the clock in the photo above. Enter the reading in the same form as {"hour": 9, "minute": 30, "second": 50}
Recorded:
{"hour": 5, "minute": 33, "second": 53}
